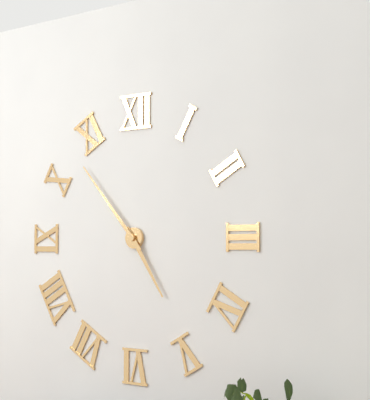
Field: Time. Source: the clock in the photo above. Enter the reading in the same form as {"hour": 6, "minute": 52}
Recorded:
{"hour": 4, "minute": 53}
